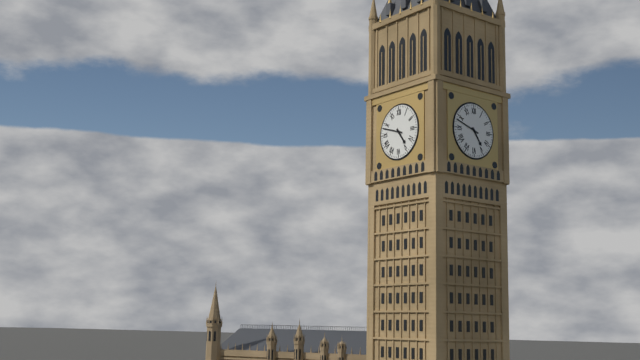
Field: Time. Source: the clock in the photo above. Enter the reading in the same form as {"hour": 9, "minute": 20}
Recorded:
{"hour": 4, "minute": 48}
